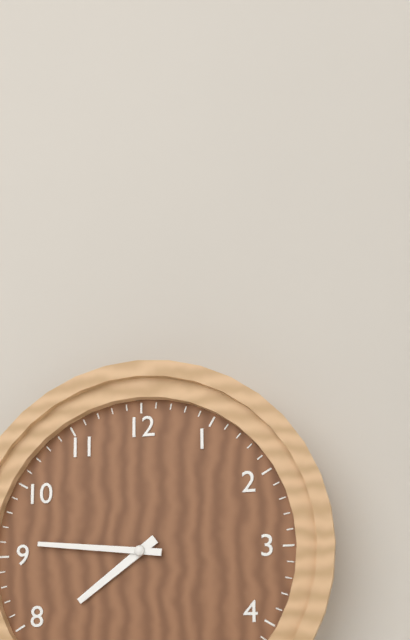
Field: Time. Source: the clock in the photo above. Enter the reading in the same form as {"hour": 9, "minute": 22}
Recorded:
{"hour": 7, "minute": 46}
